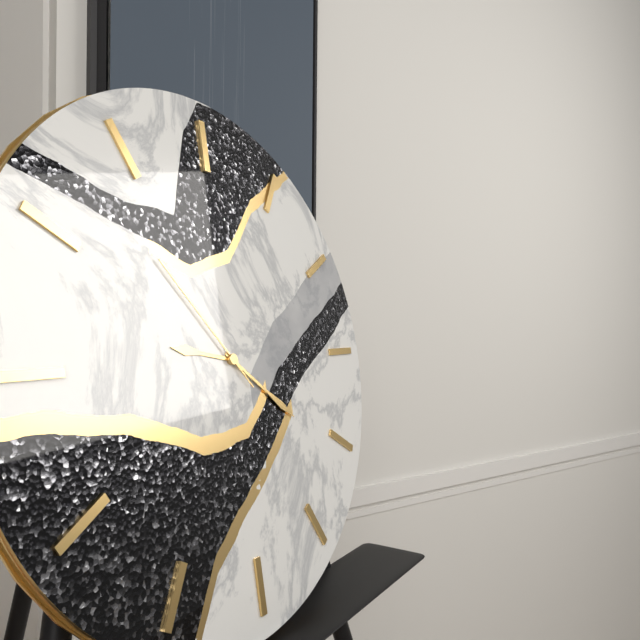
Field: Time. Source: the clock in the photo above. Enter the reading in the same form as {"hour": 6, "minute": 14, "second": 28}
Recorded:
{"hour": 9, "minute": 21, "second": 53}
